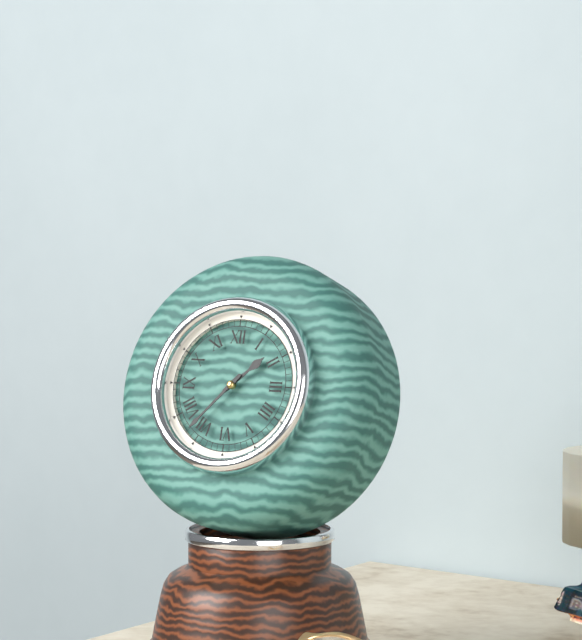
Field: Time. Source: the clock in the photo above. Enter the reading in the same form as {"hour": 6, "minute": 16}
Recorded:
{"hour": 1, "minute": 37}
